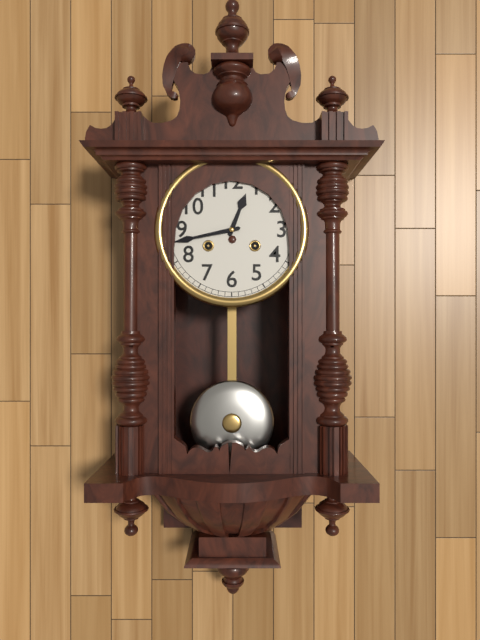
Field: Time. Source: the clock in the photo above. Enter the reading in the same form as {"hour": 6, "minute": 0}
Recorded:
{"hour": 12, "minute": 43}
